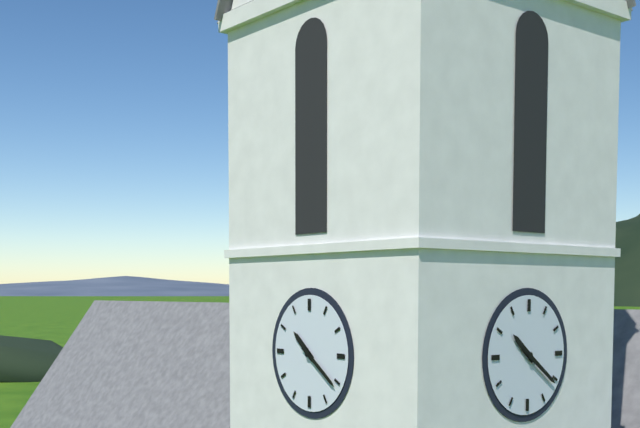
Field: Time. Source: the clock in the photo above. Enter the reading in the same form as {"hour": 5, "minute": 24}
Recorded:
{"hour": 10, "minute": 21}
